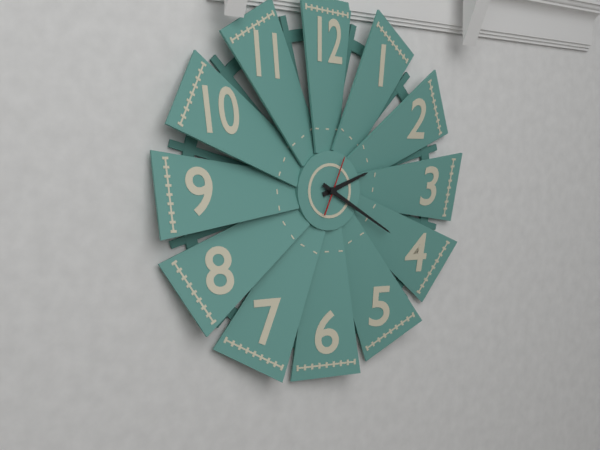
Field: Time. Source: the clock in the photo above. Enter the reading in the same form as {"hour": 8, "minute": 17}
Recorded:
{"hour": 2, "minute": 20}
